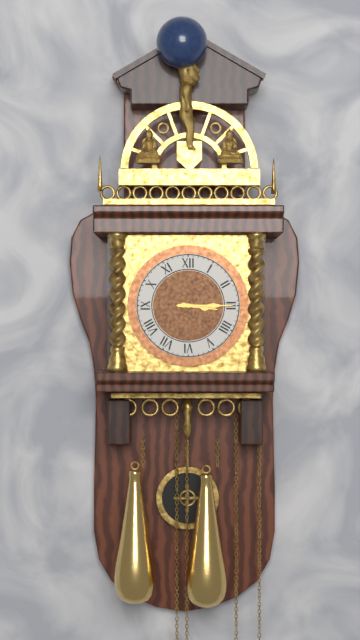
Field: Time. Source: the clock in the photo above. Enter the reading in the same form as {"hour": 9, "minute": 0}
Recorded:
{"hour": 3, "minute": 15}
